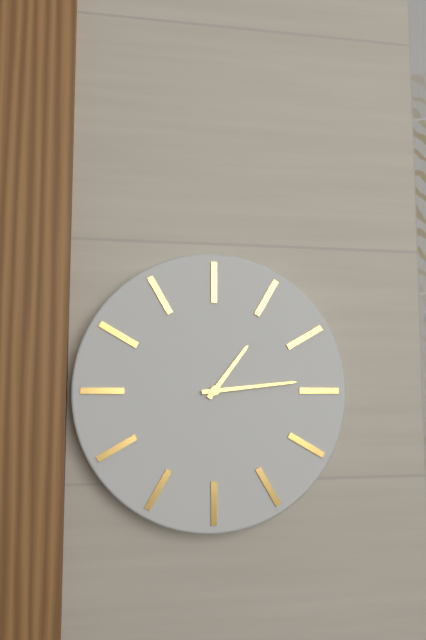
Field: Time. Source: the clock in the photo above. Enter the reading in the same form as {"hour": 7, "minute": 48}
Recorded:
{"hour": 1, "minute": 14}
